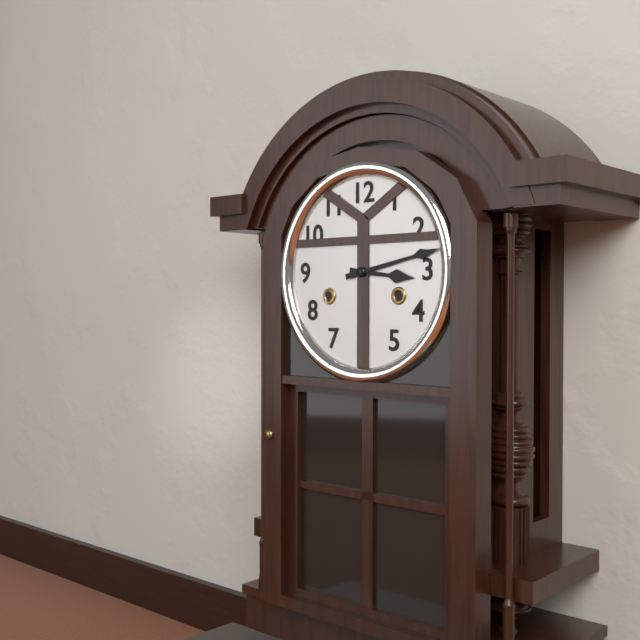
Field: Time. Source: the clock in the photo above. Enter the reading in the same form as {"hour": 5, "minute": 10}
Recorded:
{"hour": 3, "minute": 13}
